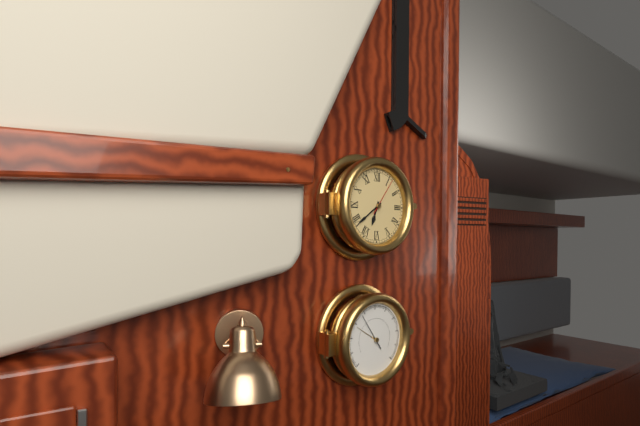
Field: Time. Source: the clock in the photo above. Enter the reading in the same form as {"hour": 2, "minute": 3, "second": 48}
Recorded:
{"hour": 6, "minute": 39, "second": 6}
